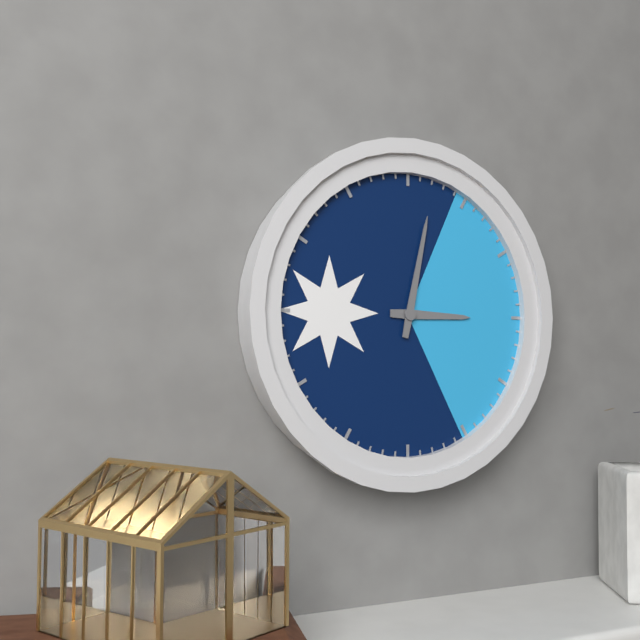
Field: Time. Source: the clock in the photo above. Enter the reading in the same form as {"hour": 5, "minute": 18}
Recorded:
{"hour": 3, "minute": 2}
